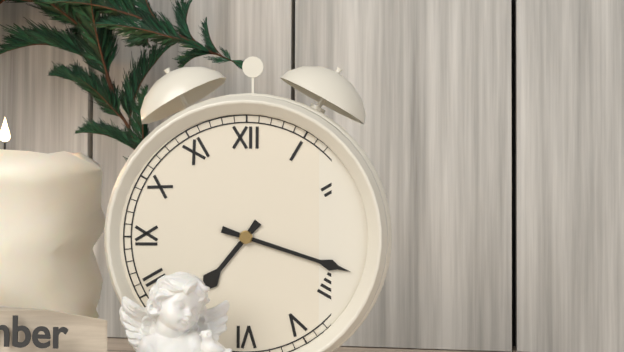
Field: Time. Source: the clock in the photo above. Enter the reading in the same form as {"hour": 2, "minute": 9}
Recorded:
{"hour": 7, "minute": 18}
